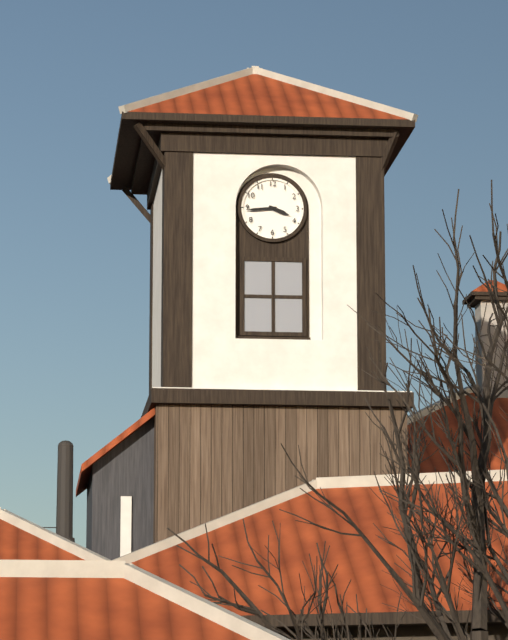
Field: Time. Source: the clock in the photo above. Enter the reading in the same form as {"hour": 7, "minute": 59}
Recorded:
{"hour": 3, "minute": 44}
